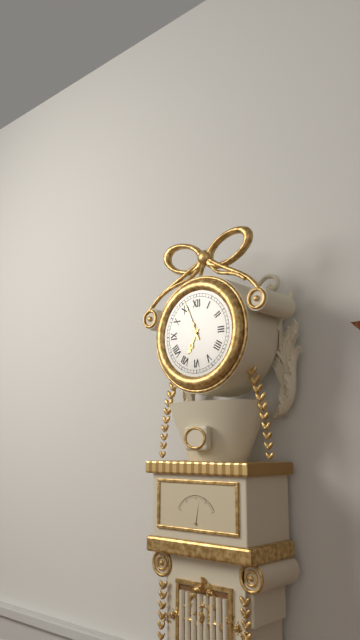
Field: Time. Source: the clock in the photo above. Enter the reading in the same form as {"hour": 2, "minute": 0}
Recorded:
{"hour": 6, "minute": 56}
